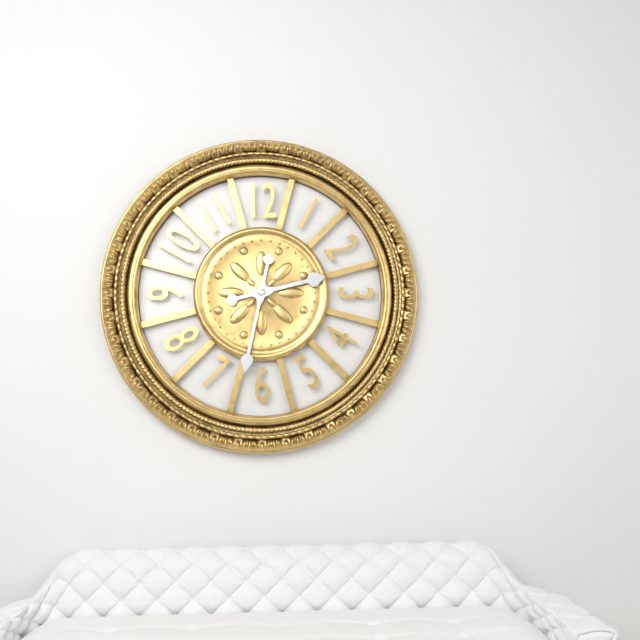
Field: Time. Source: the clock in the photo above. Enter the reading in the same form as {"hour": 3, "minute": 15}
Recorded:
{"hour": 2, "minute": 32}
